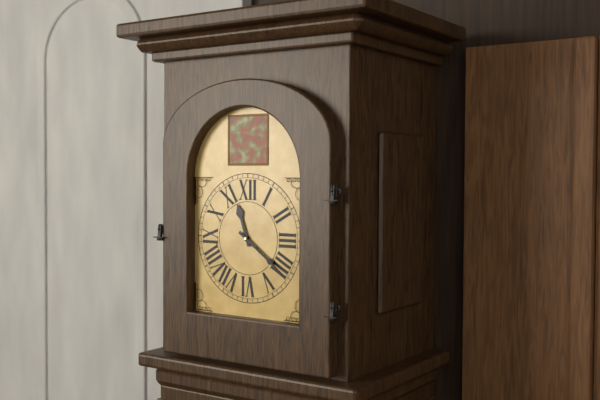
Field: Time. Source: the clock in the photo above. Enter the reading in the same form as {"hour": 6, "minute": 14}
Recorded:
{"hour": 11, "minute": 21}
